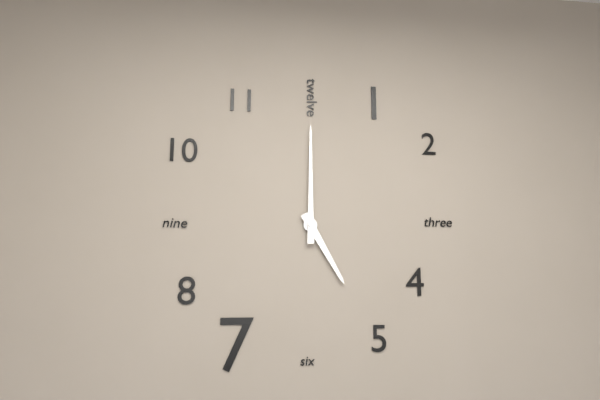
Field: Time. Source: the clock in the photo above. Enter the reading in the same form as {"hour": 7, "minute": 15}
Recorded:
{"hour": 5, "minute": 0}
